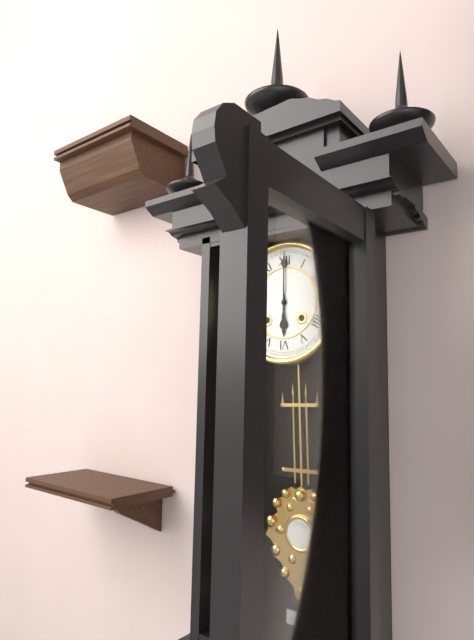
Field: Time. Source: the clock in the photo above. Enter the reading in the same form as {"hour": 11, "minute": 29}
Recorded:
{"hour": 6, "minute": 0}
